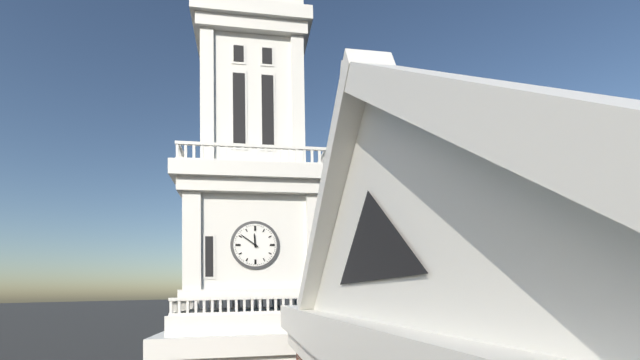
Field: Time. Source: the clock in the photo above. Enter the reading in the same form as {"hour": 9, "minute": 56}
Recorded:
{"hour": 11, "minute": 51}
